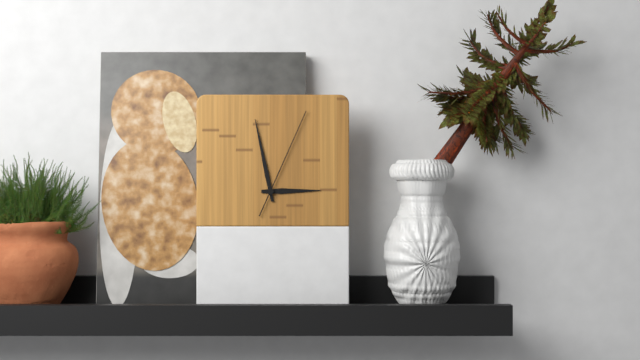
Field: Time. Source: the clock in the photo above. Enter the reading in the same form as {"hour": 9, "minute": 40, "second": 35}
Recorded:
{"hour": 2, "minute": 58, "second": 4}
